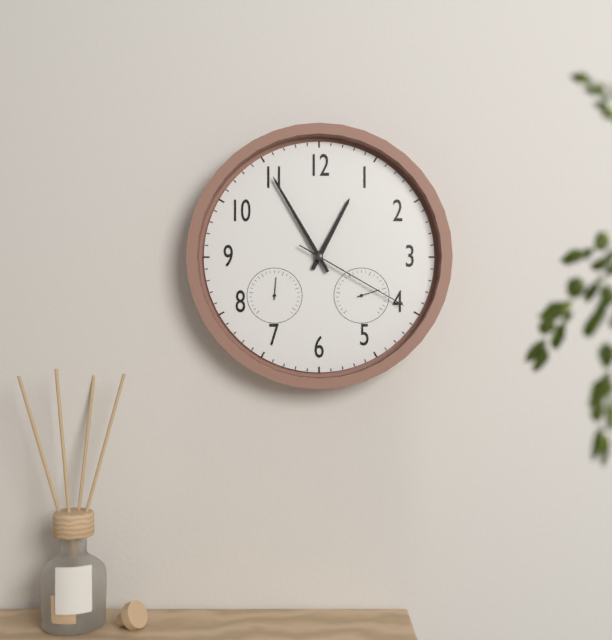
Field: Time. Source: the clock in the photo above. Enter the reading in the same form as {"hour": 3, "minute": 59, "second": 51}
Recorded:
{"hour": 12, "minute": 55, "second": 20}
